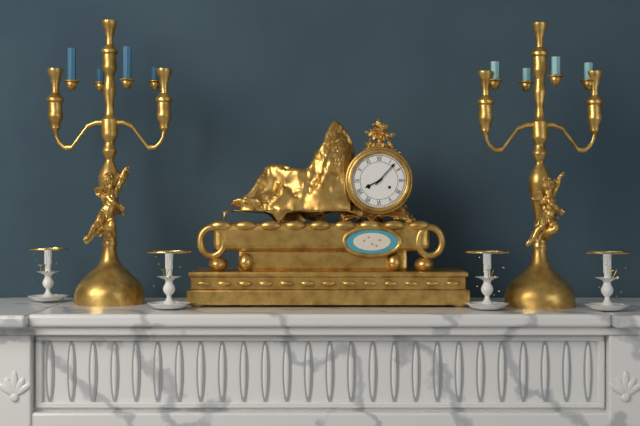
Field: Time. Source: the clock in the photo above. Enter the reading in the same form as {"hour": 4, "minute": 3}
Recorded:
{"hour": 8, "minute": 7}
